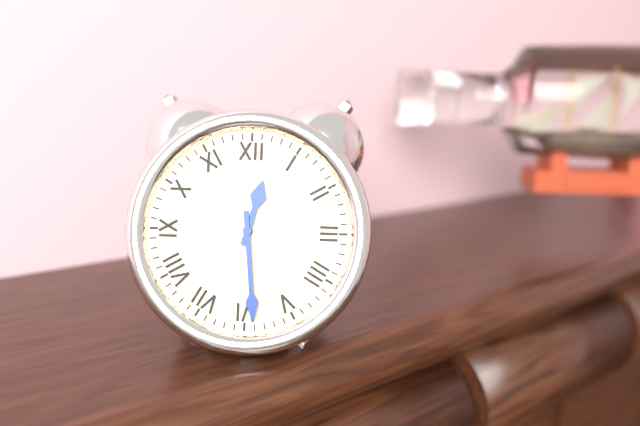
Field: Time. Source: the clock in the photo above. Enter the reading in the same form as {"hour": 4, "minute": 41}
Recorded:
{"hour": 12, "minute": 29}
